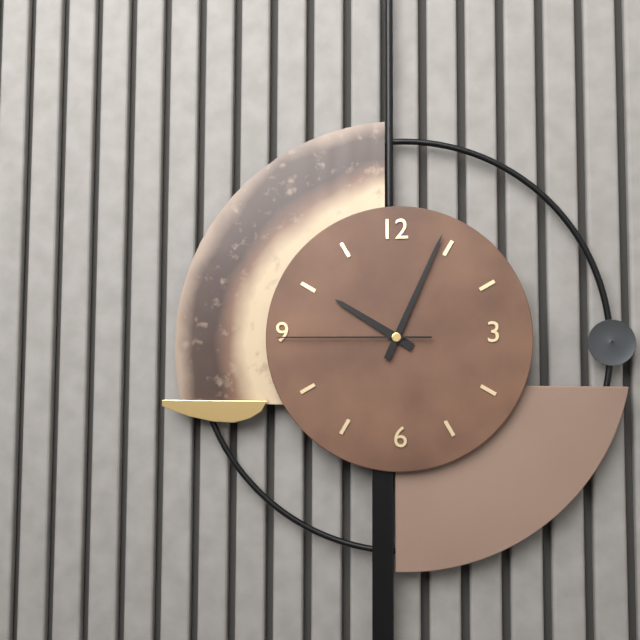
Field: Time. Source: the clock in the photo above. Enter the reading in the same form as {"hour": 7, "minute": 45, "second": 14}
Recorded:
{"hour": 10, "minute": 4, "second": 45}
